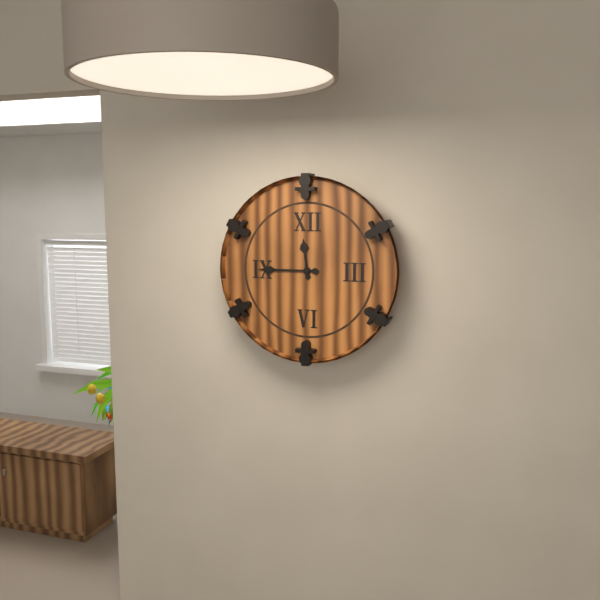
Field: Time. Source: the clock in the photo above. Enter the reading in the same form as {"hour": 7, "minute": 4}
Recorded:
{"hour": 11, "minute": 45}
